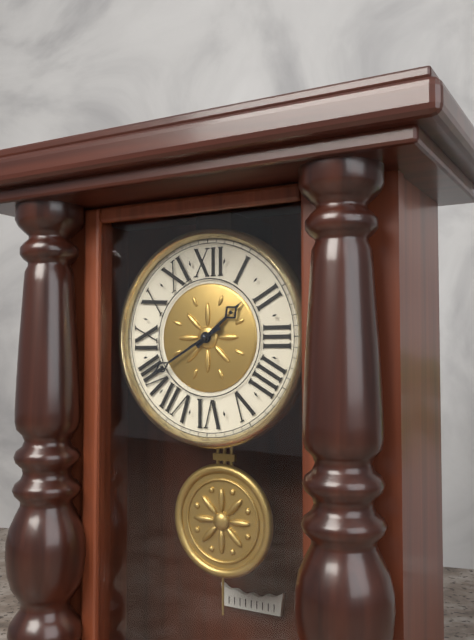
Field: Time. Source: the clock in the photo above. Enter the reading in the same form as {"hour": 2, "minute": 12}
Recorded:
{"hour": 1, "minute": 40}
